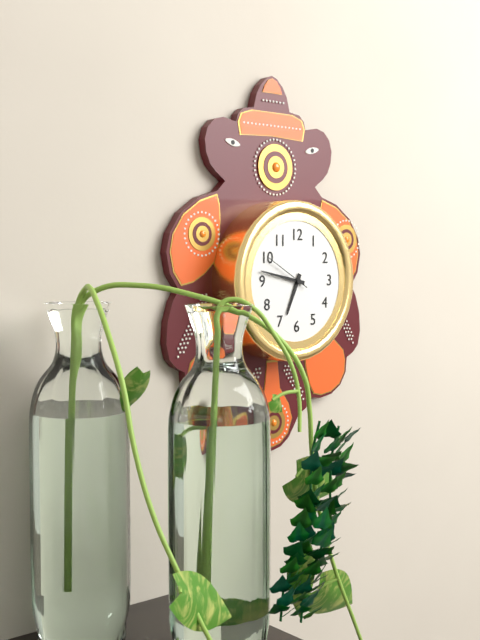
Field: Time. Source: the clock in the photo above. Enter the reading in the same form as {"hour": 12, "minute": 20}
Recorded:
{"hour": 6, "minute": 47}
